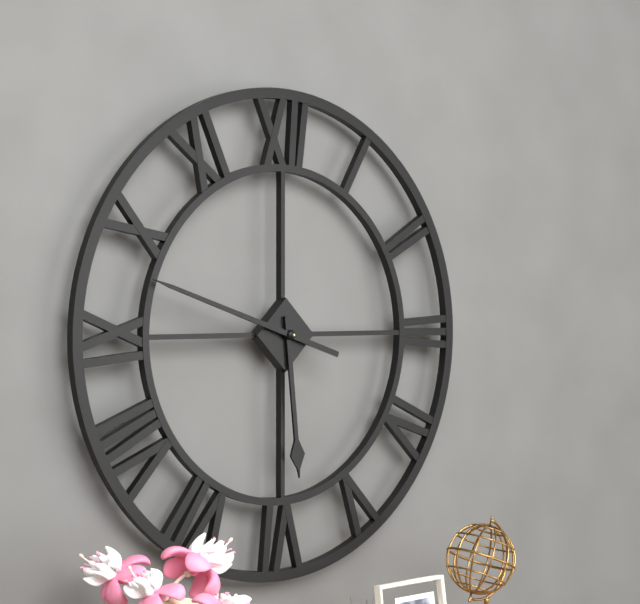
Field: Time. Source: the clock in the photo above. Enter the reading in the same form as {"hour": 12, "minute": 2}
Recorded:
{"hour": 5, "minute": 48}
